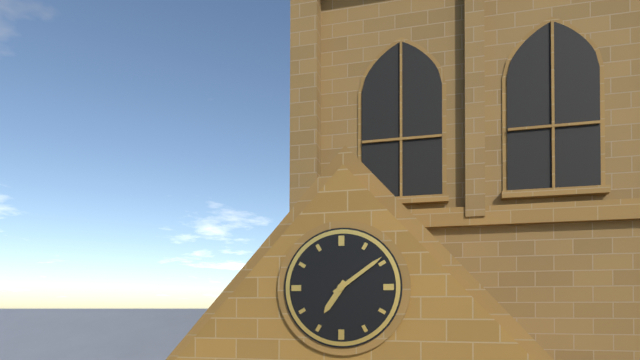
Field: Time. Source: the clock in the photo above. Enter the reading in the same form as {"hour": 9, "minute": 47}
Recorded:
{"hour": 7, "minute": 9}
